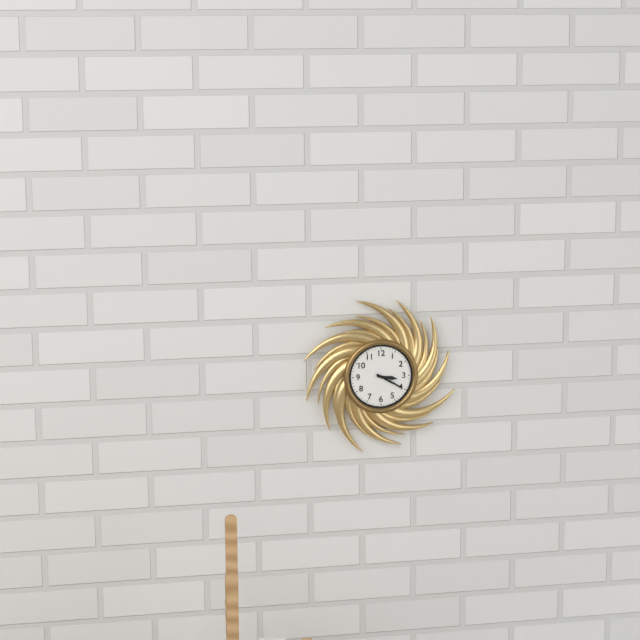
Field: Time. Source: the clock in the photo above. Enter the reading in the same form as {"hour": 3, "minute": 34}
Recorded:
{"hour": 3, "minute": 20}
